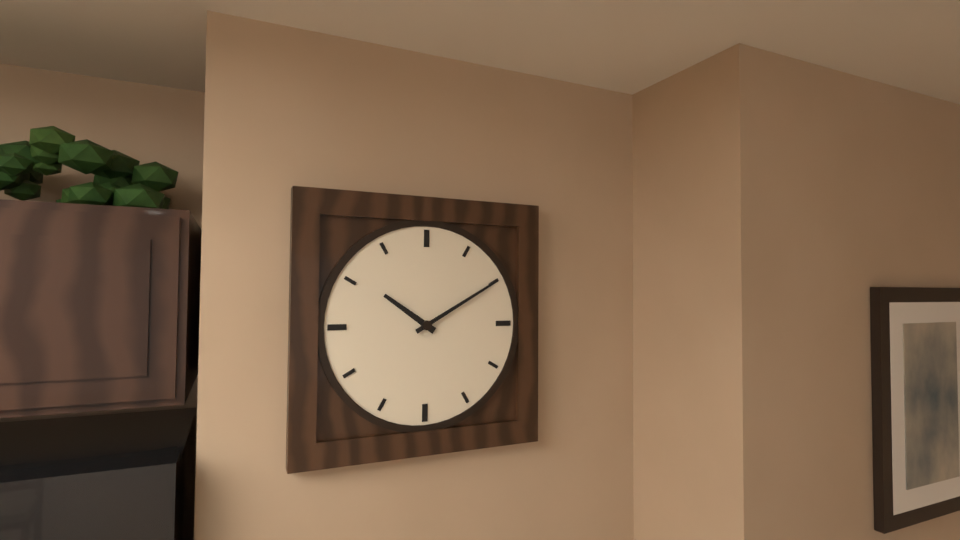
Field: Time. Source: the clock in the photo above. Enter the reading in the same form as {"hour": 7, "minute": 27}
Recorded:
{"hour": 10, "minute": 10}
